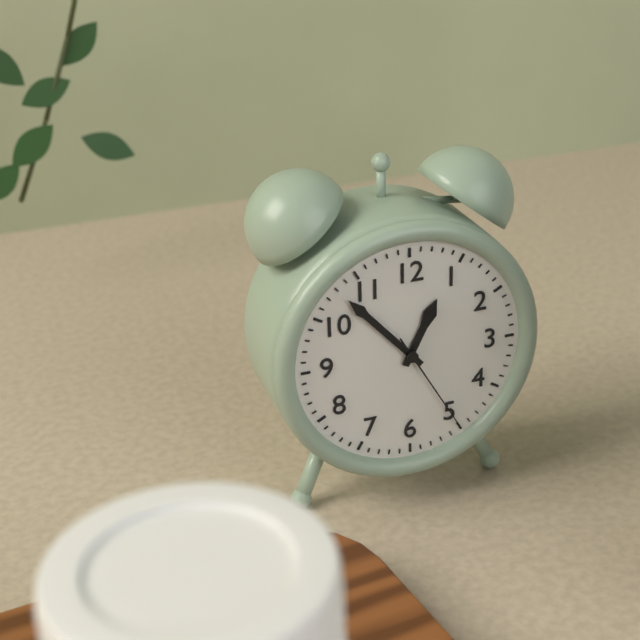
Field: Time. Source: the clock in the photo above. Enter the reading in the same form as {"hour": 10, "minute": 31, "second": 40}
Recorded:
{"hour": 12, "minute": 53, "second": 25}
